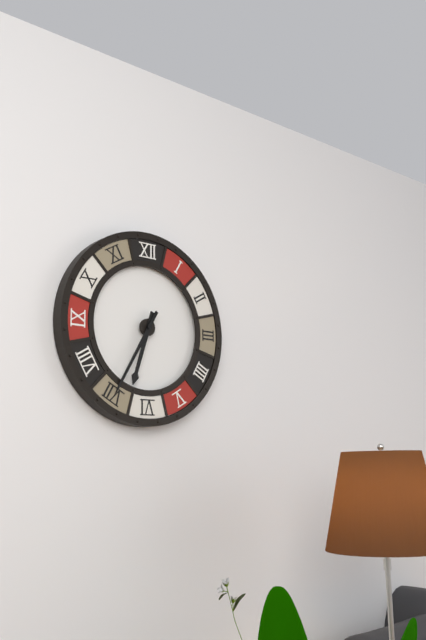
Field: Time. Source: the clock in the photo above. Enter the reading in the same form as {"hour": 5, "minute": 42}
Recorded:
{"hour": 6, "minute": 35}
